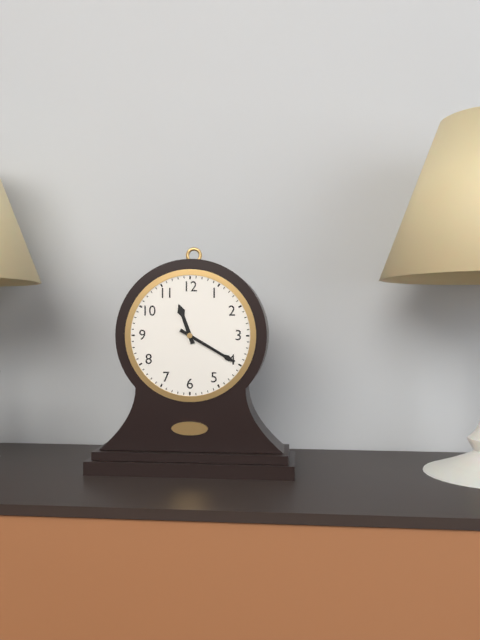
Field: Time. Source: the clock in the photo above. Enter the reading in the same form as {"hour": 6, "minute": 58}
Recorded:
{"hour": 11, "minute": 20}
